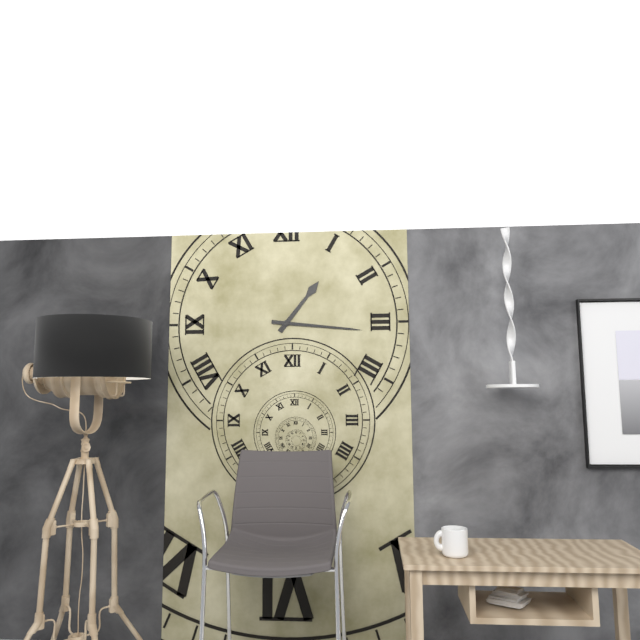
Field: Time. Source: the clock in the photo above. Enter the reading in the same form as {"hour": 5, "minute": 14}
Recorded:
{"hour": 1, "minute": 16}
